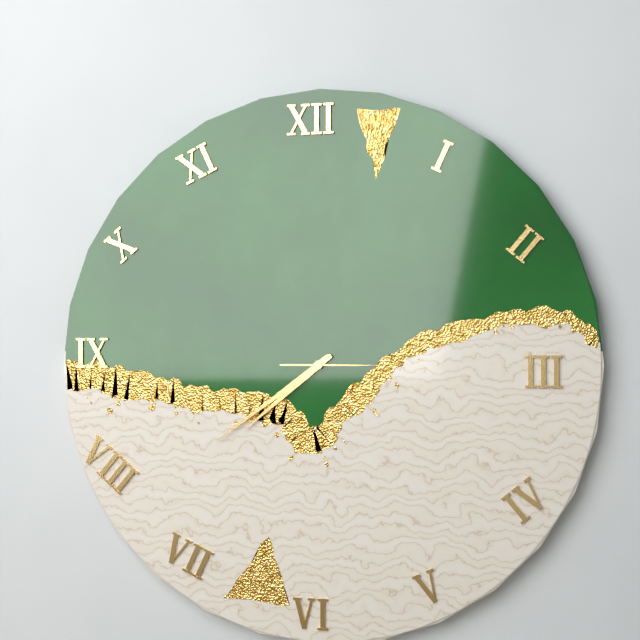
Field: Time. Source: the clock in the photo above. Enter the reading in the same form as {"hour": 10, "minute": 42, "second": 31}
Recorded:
{"hour": 7, "minute": 39, "second": 15}
